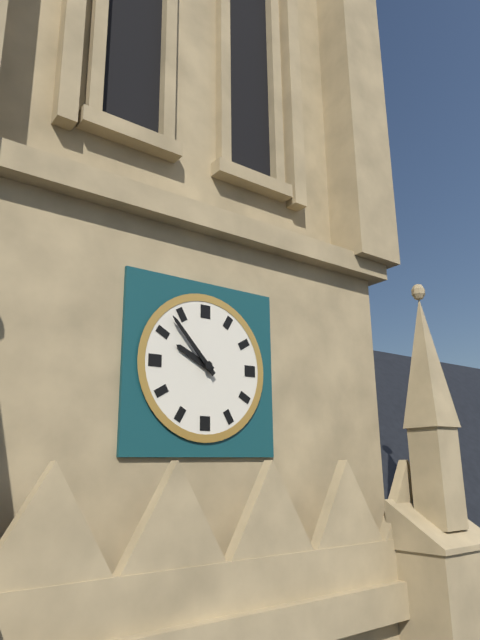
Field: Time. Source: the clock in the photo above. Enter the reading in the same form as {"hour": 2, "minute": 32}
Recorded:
{"hour": 9, "minute": 53}
